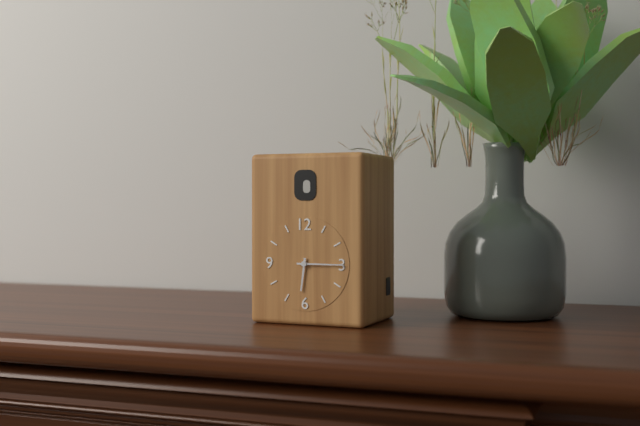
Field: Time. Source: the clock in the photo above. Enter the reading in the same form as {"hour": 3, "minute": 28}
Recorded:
{"hour": 6, "minute": 15}
